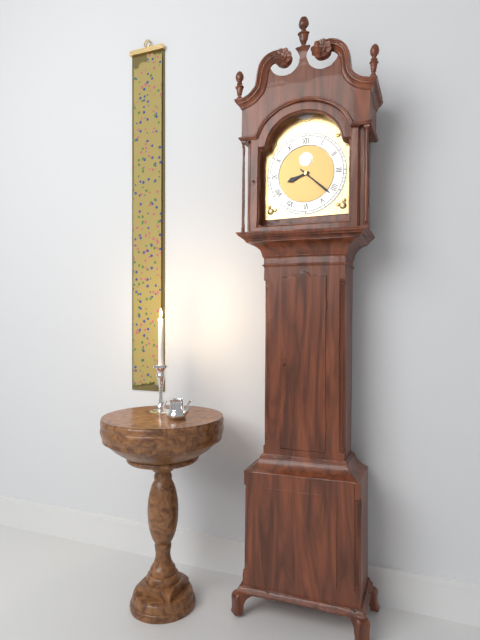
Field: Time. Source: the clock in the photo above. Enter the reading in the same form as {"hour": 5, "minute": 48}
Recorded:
{"hour": 8, "minute": 22}
